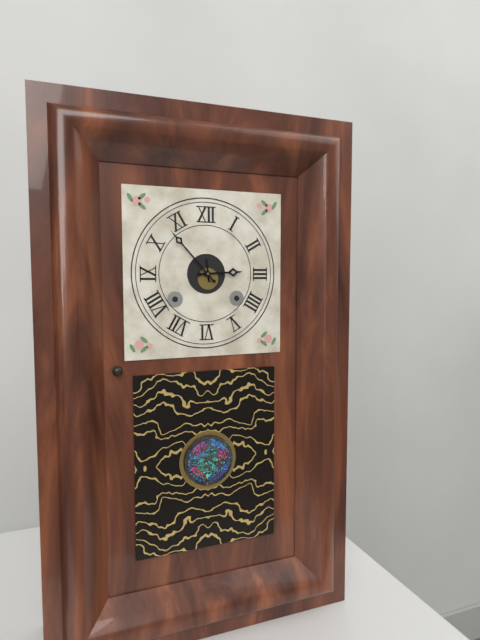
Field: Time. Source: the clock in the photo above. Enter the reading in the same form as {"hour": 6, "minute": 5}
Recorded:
{"hour": 2, "minute": 53}
